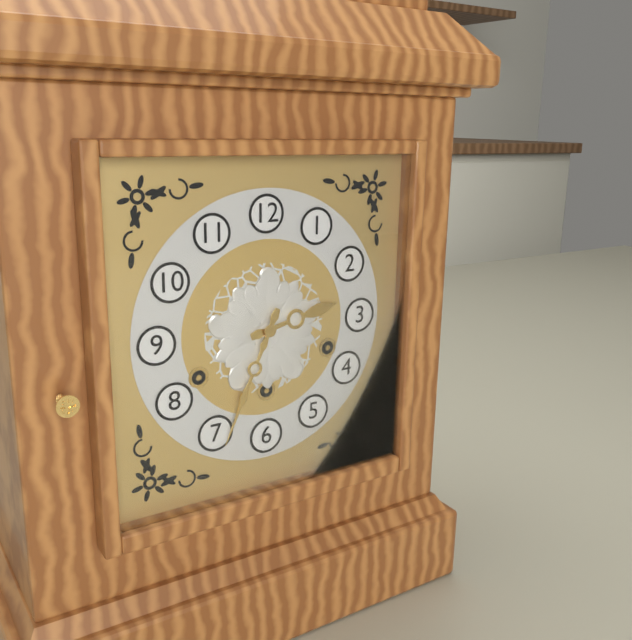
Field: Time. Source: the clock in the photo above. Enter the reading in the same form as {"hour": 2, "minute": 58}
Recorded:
{"hour": 2, "minute": 34}
